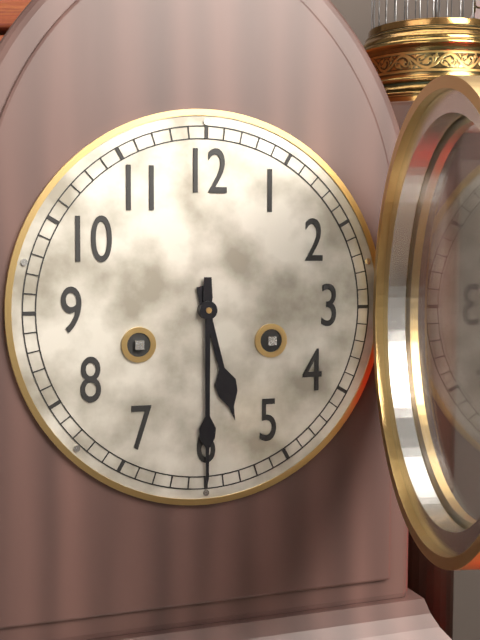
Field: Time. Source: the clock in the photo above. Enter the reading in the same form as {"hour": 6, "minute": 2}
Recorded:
{"hour": 5, "minute": 30}
